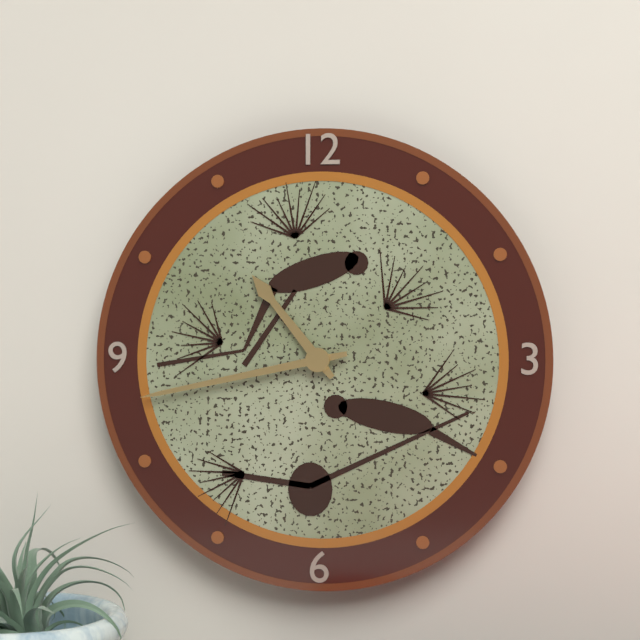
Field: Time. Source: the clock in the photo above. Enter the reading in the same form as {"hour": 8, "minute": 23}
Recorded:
{"hour": 10, "minute": 43}
